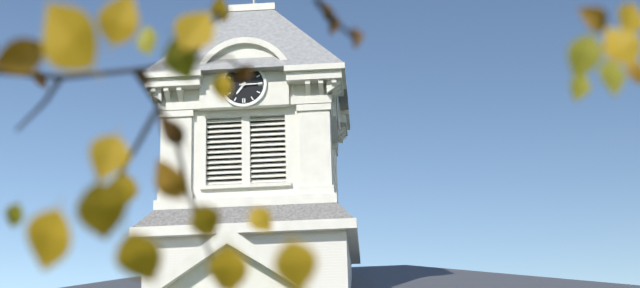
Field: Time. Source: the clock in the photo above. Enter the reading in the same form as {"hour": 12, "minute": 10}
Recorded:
{"hour": 7, "minute": 15}
